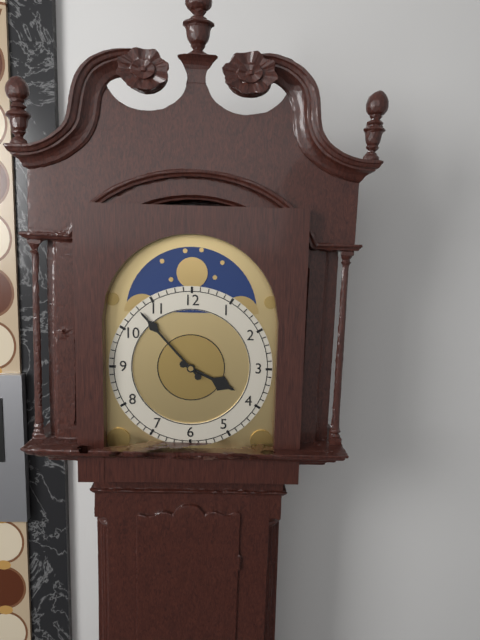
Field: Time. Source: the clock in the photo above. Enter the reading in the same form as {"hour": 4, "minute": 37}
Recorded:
{"hour": 3, "minute": 53}
